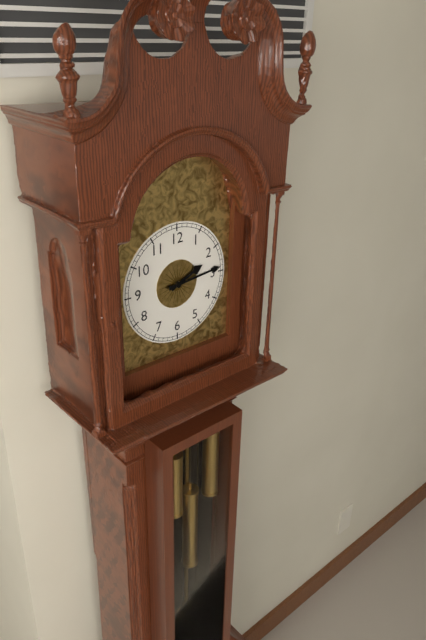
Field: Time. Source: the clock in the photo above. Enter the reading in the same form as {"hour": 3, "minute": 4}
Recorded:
{"hour": 2, "minute": 14}
